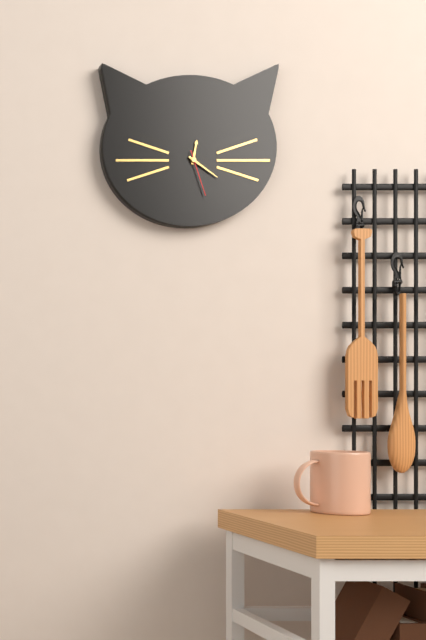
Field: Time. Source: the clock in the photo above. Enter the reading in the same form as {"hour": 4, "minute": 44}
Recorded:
{"hour": 12, "minute": 21}
